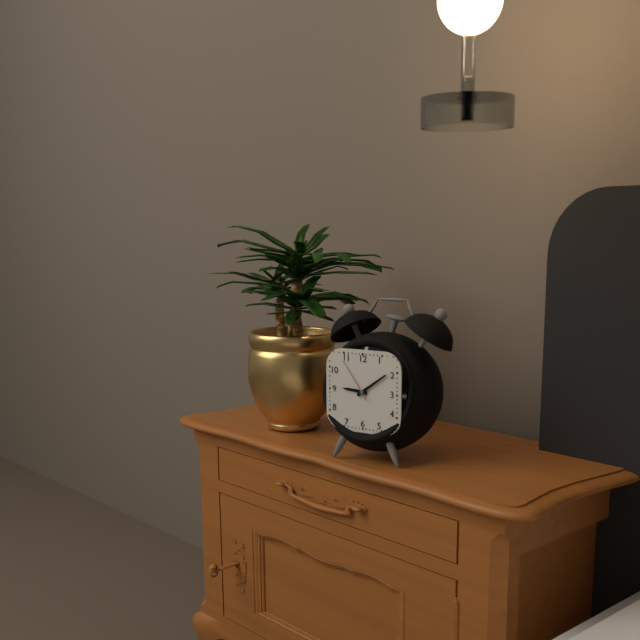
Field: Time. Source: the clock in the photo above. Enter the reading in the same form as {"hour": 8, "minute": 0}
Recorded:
{"hour": 9, "minute": 9}
